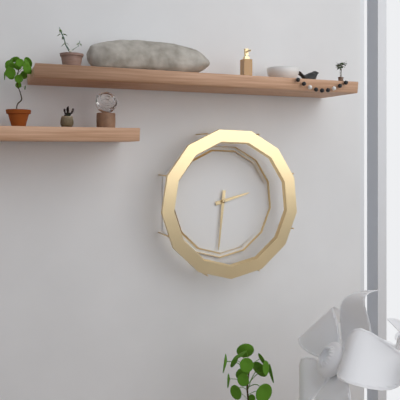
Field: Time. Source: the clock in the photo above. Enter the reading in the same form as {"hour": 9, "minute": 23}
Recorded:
{"hour": 2, "minute": 31}
